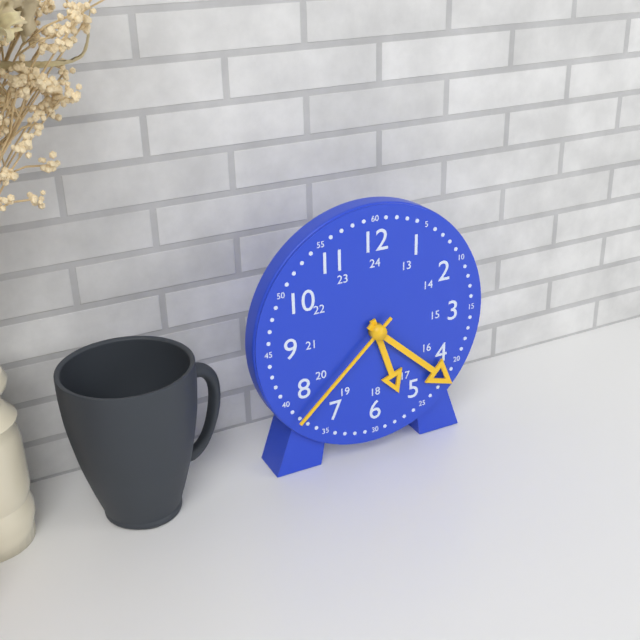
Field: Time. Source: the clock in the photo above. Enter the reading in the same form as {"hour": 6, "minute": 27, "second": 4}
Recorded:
{"hour": 5, "minute": 22, "second": 38}
